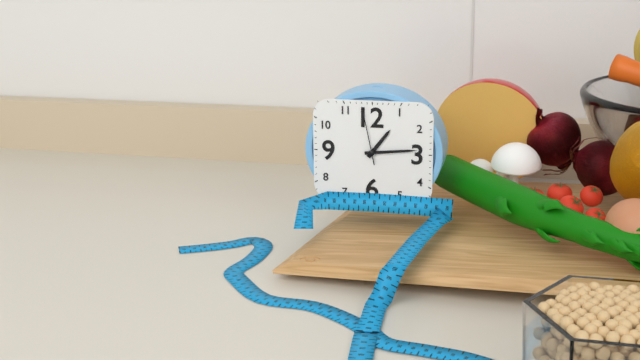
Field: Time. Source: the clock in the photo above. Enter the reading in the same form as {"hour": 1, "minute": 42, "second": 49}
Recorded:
{"hour": 1, "minute": 14, "second": 58}
